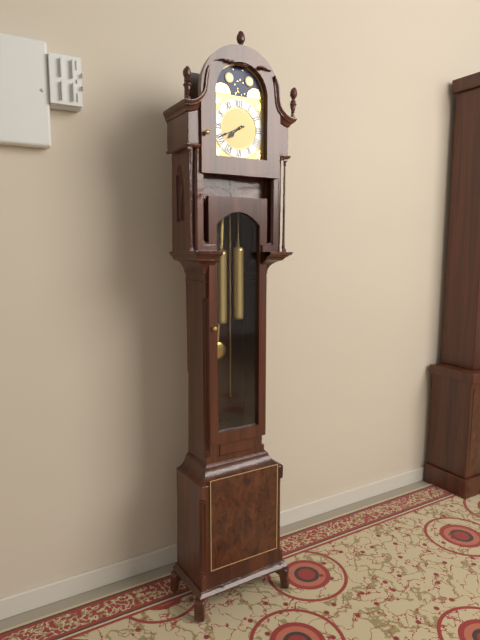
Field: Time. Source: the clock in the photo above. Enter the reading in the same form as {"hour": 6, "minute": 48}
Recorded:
{"hour": 7, "minute": 41}
